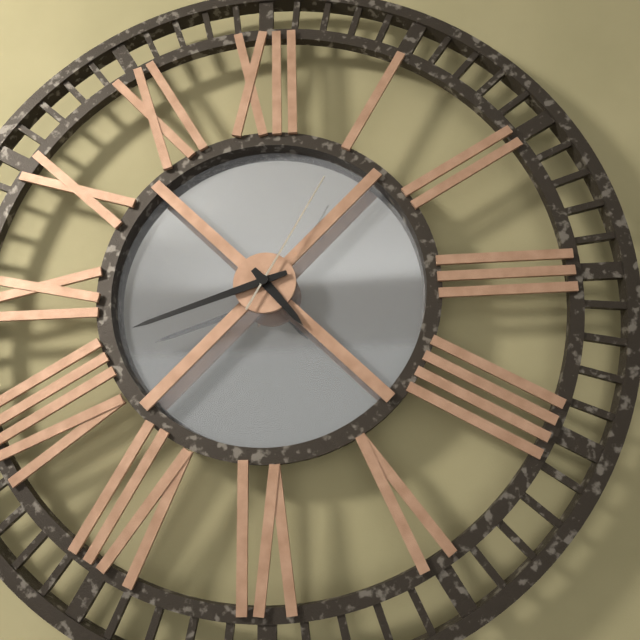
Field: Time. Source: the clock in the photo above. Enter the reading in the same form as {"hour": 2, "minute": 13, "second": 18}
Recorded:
{"hour": 4, "minute": 42, "second": 5}
